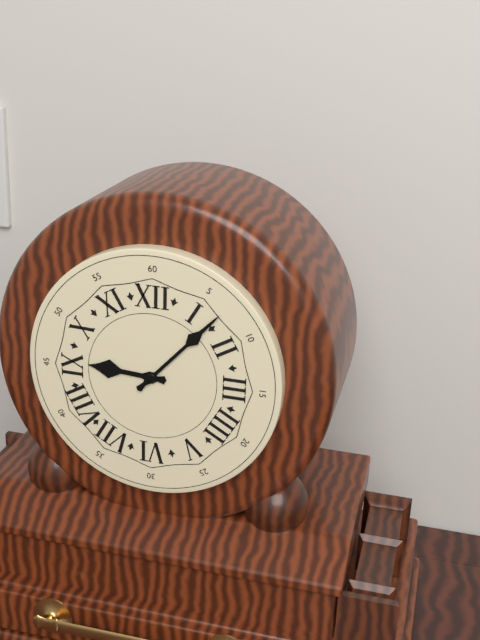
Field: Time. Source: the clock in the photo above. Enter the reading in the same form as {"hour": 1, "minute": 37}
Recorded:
{"hour": 9, "minute": 7}
